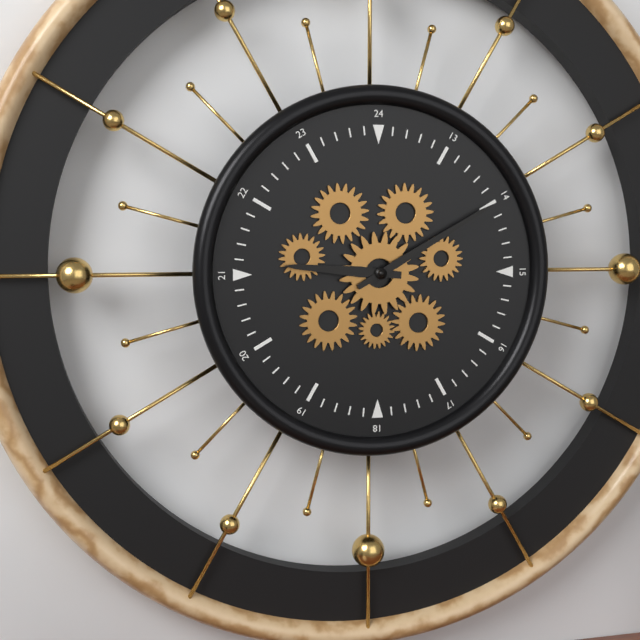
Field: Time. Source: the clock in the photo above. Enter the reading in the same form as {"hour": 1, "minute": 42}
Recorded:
{"hour": 9, "minute": 10}
